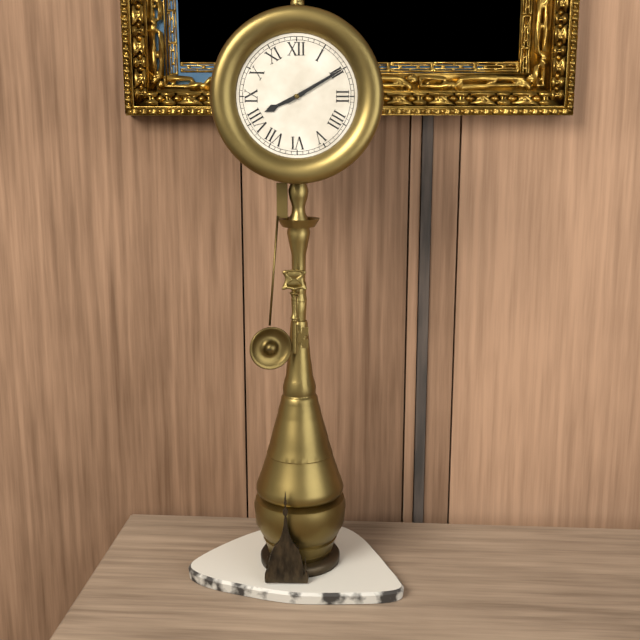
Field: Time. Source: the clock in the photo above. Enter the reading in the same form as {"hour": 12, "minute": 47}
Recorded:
{"hour": 8, "minute": 10}
